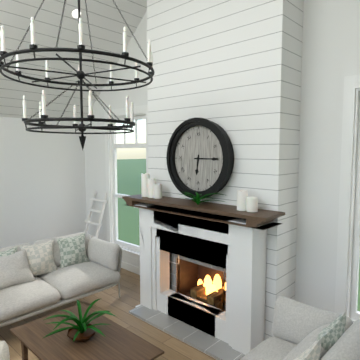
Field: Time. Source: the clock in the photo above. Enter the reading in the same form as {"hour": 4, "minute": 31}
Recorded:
{"hour": 6, "minute": 15}
